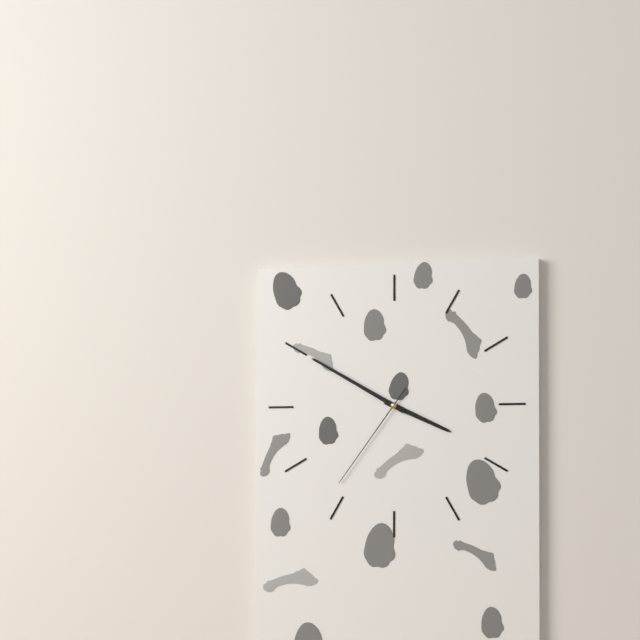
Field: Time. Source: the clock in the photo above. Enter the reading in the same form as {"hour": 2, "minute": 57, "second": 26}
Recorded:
{"hour": 3, "minute": 50, "second": 36}
